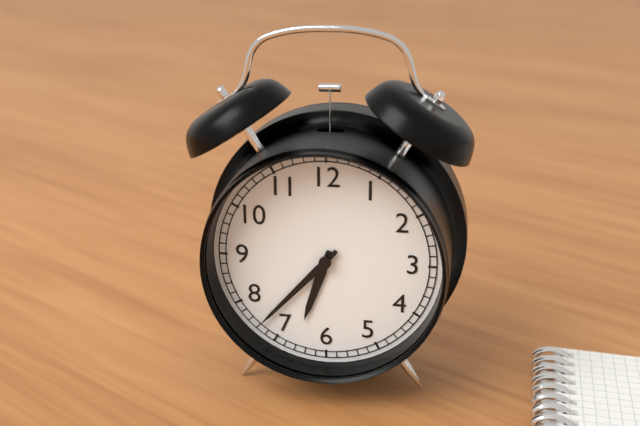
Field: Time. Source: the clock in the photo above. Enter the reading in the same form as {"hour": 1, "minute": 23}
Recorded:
{"hour": 6, "minute": 37}
